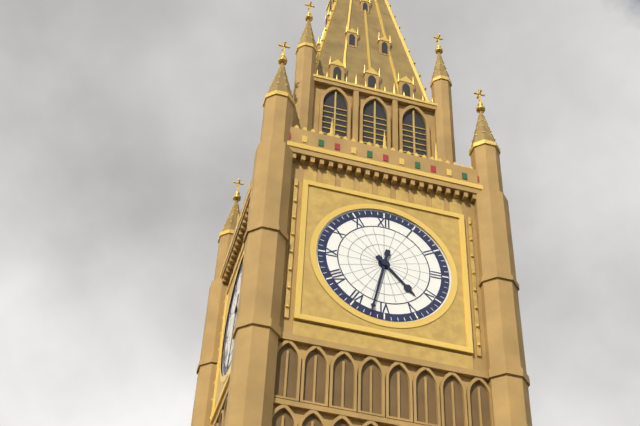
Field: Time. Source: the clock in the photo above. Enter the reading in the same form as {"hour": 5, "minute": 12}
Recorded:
{"hour": 4, "minute": 32}
